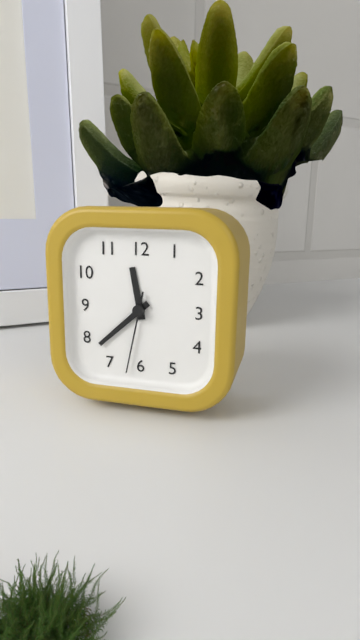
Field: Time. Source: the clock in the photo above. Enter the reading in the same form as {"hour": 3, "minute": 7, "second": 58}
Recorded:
{"hour": 11, "minute": 38, "second": 32}
